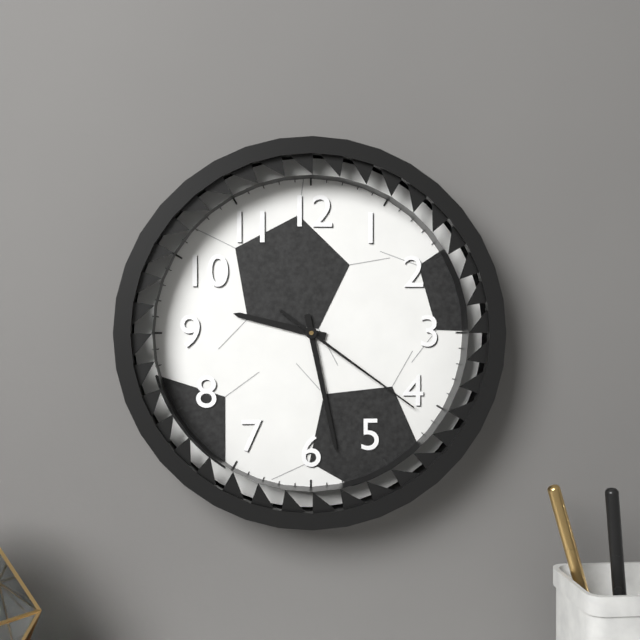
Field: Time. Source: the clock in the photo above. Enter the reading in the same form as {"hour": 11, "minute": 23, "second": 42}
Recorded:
{"hour": 9, "minute": 28, "second": 21}
